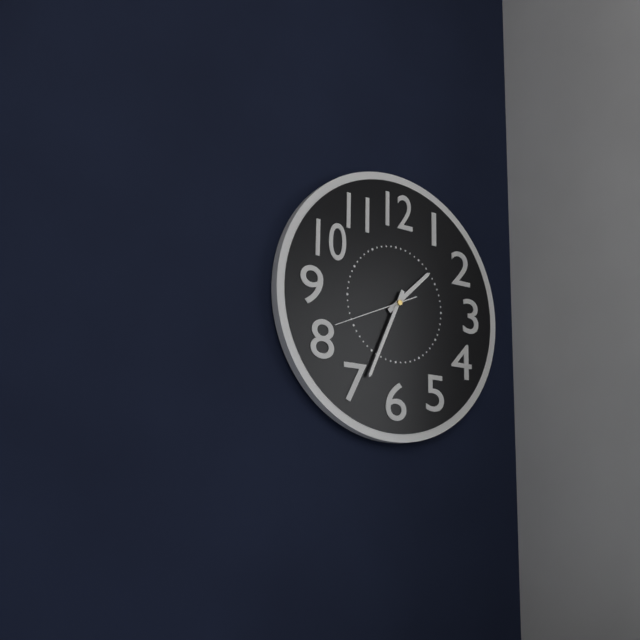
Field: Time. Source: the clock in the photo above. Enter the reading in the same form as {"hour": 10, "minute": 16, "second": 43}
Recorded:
{"hour": 1, "minute": 34, "second": 41}
